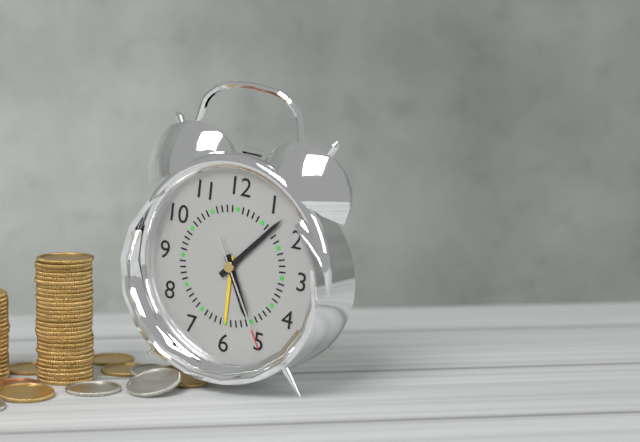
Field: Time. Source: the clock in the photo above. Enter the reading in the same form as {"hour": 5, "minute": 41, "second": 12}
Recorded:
{"hour": 5, "minute": 7, "second": 25}
